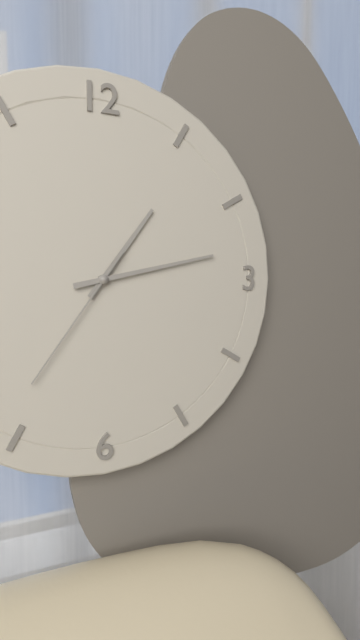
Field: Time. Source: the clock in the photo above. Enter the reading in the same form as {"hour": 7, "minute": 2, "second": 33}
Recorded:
{"hour": 1, "minute": 13, "second": 36}
